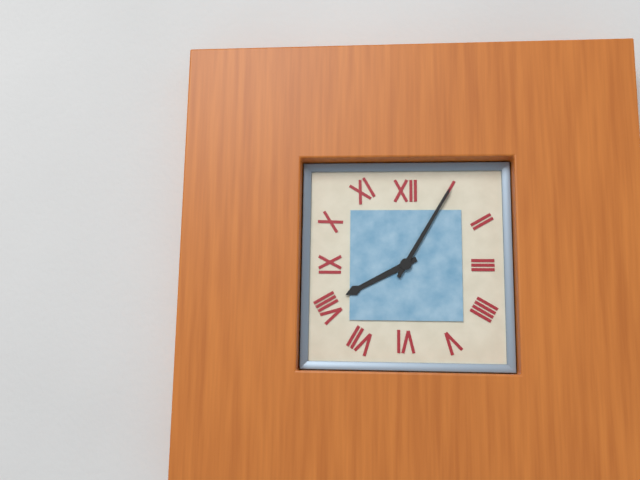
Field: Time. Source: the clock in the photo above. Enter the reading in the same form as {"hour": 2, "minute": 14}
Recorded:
{"hour": 8, "minute": 5}
